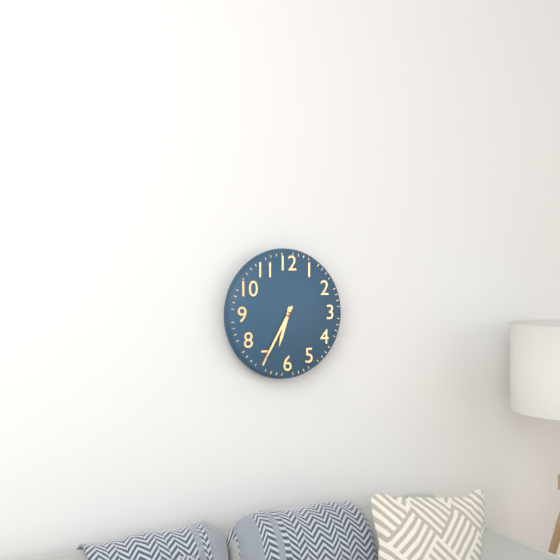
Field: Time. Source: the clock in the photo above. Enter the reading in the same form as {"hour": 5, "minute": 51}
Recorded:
{"hour": 6, "minute": 35}
